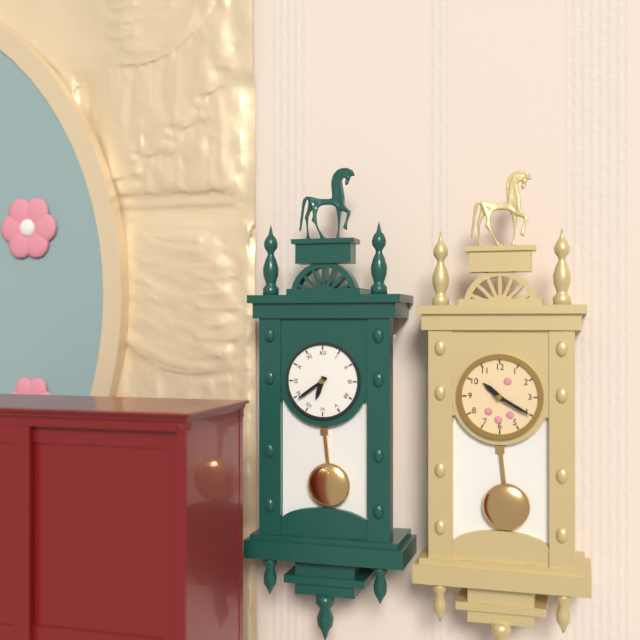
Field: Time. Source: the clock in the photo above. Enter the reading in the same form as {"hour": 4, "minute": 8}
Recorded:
{"hour": 6, "minute": 39}
